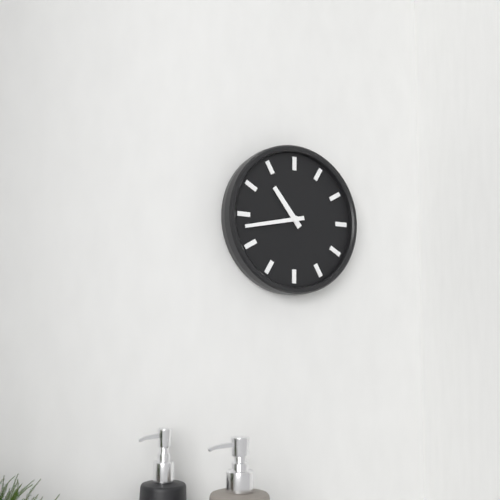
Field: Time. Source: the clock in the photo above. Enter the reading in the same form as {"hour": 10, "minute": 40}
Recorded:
{"hour": 10, "minute": 43}
